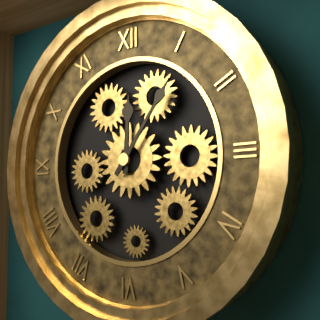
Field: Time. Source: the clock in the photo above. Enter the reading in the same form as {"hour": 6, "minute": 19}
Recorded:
{"hour": 12, "minute": 6}
